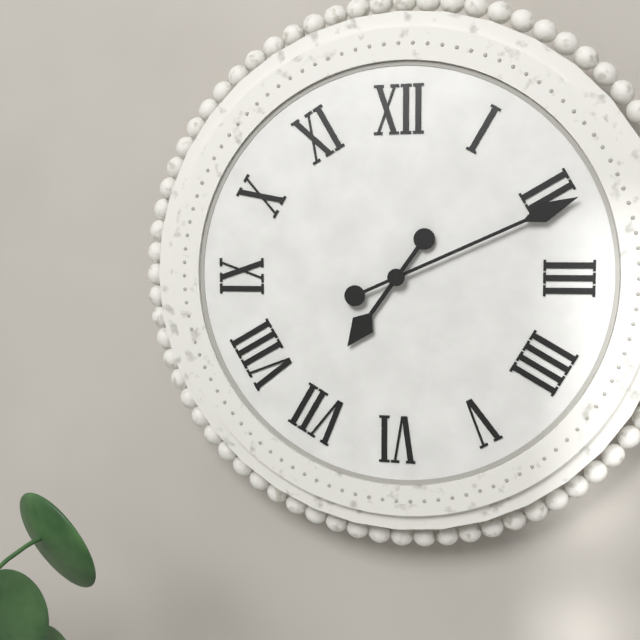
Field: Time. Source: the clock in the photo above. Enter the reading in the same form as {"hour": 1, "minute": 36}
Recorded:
{"hour": 7, "minute": 11}
